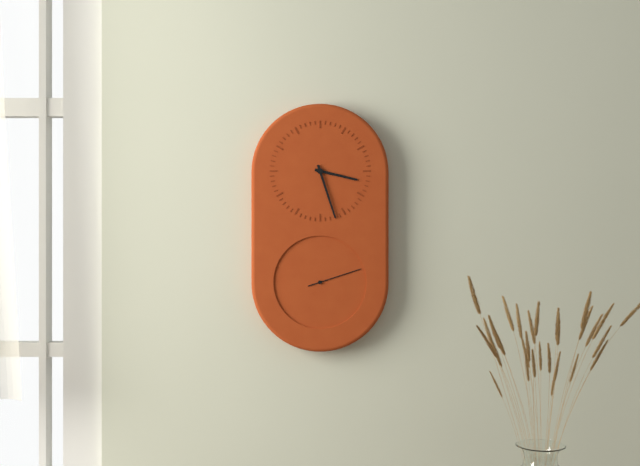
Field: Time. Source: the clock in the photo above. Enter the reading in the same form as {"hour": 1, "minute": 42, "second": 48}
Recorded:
{"hour": 3, "minute": 27, "second": 12}
